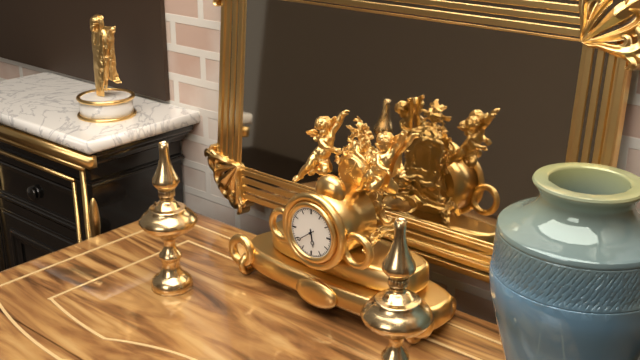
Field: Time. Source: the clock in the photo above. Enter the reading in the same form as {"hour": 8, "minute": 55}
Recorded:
{"hour": 5, "minute": 39}
